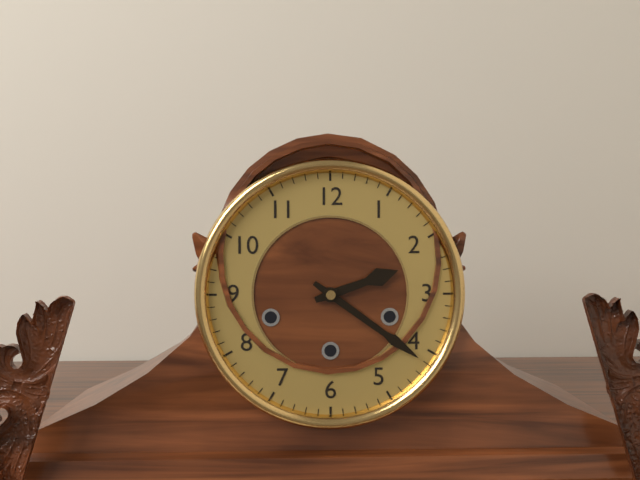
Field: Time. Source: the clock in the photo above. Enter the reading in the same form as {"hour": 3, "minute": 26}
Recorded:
{"hour": 2, "minute": 21}
